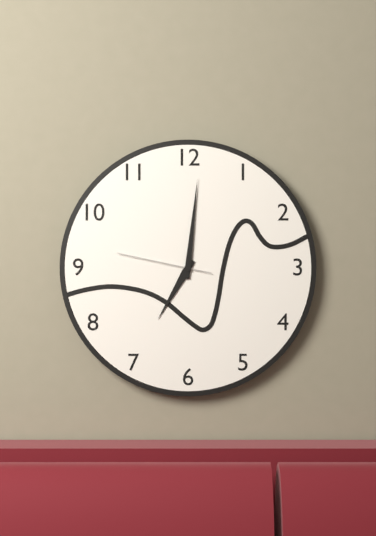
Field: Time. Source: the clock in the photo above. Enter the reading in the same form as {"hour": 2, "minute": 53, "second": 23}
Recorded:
{"hour": 7, "minute": 1, "second": 47}
